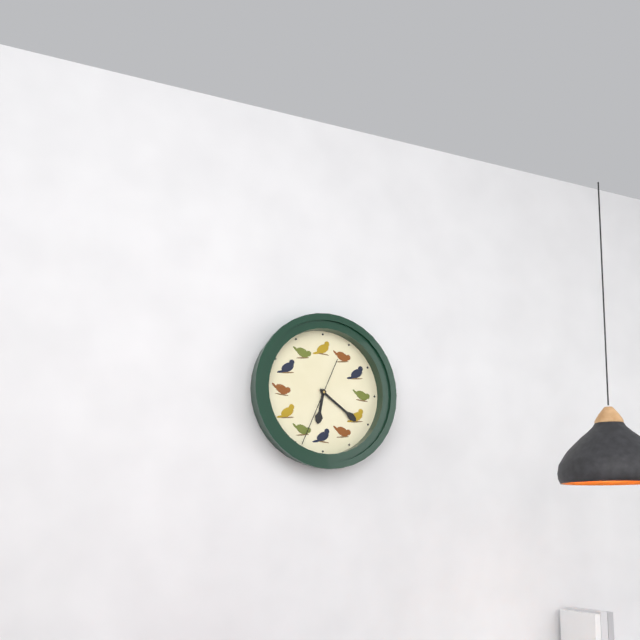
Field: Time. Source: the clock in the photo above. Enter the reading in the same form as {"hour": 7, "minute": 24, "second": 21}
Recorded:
{"hour": 6, "minute": 21, "second": 34}
